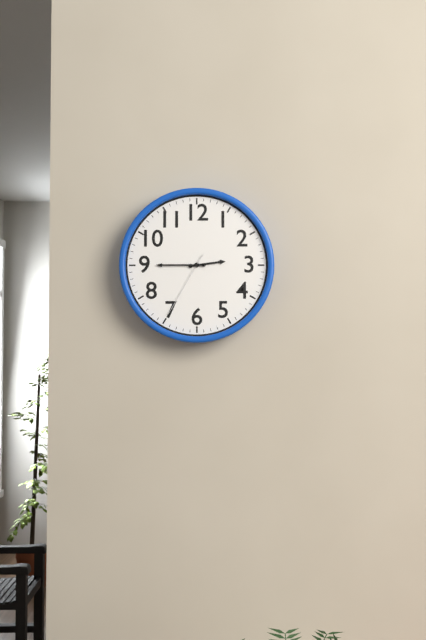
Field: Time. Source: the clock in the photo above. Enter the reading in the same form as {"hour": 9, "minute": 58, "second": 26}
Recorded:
{"hour": 2, "minute": 45, "second": 35}
